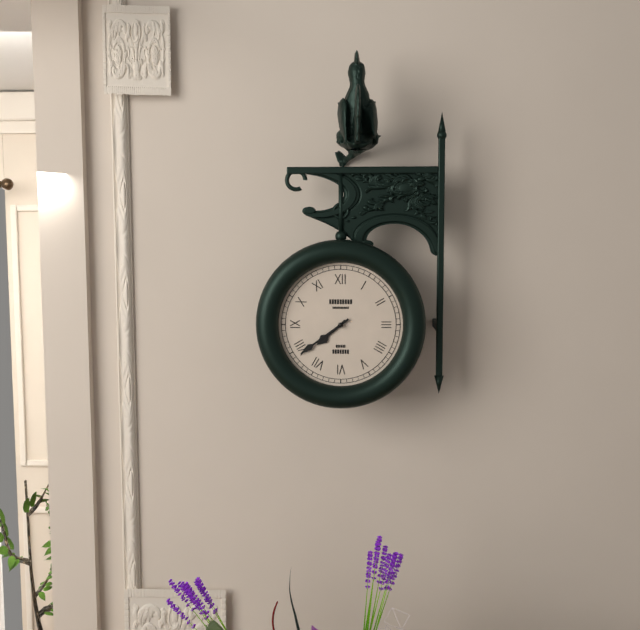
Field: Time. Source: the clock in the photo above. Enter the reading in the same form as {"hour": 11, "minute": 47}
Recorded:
{"hour": 7, "minute": 39}
